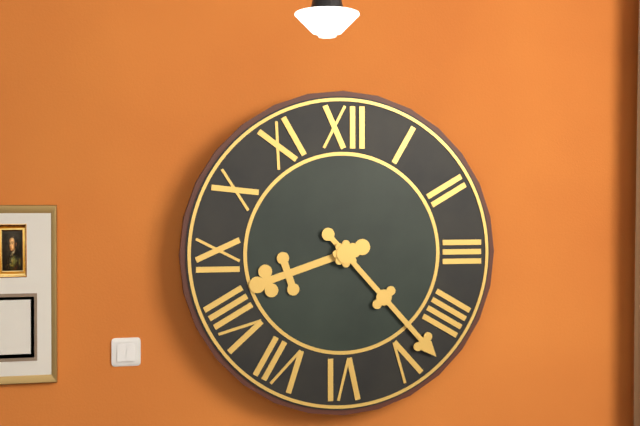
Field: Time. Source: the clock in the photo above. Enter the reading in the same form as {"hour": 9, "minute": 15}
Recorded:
{"hour": 8, "minute": 23}
